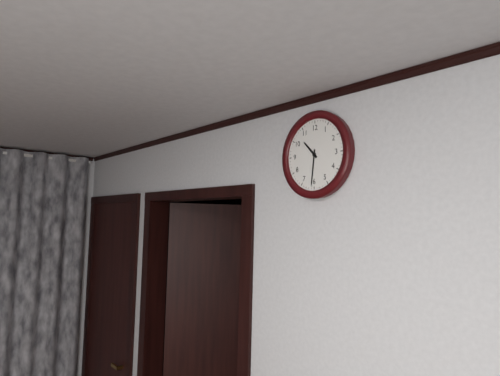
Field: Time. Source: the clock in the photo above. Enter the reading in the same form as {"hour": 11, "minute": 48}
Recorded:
{"hour": 10, "minute": 31}
